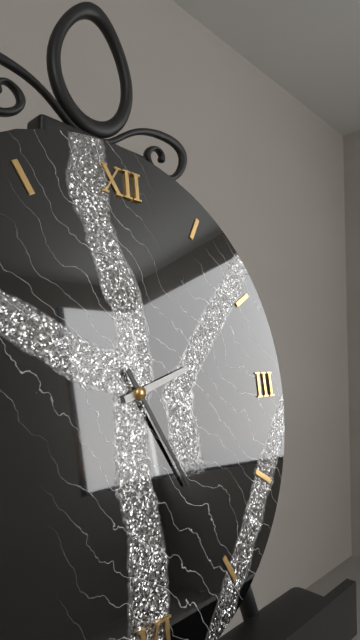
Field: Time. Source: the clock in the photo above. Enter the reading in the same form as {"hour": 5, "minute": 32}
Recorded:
{"hour": 2, "minute": 25}
